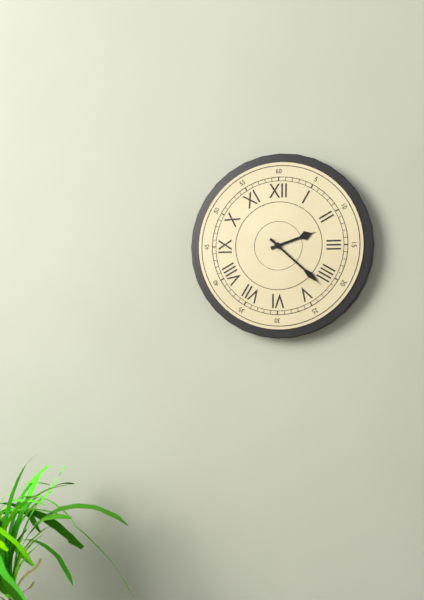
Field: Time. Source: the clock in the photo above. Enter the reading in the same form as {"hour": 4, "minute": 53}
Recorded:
{"hour": 2, "minute": 22}
